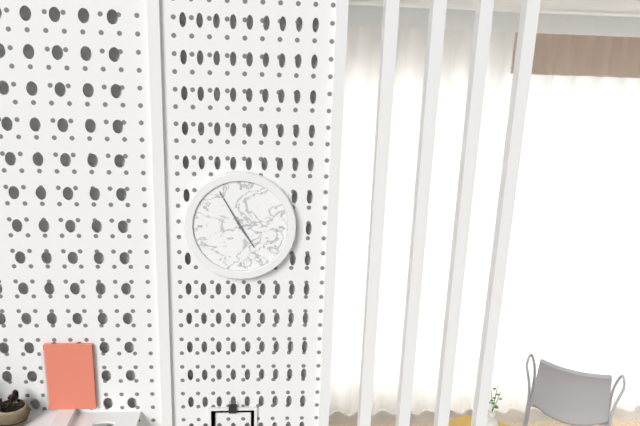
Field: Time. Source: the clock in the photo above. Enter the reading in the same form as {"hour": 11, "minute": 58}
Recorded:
{"hour": 4, "minute": 55}
